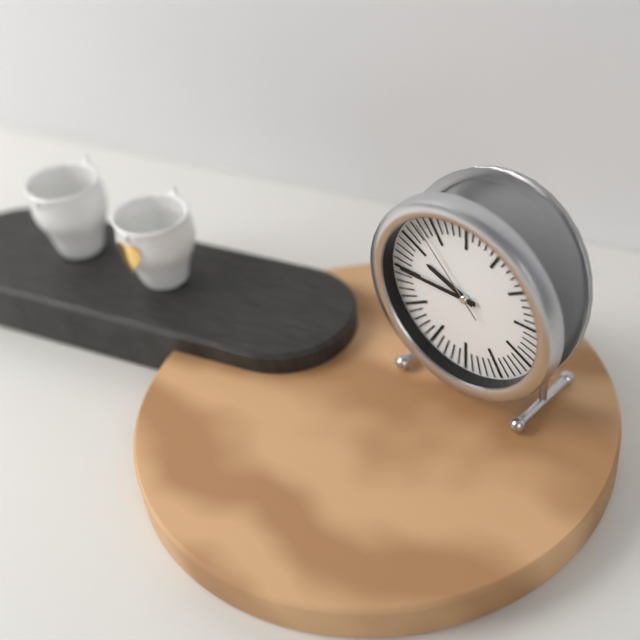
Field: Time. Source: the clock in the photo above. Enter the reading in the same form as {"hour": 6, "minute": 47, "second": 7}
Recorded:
{"hour": 9, "minute": 45, "second": 53}
